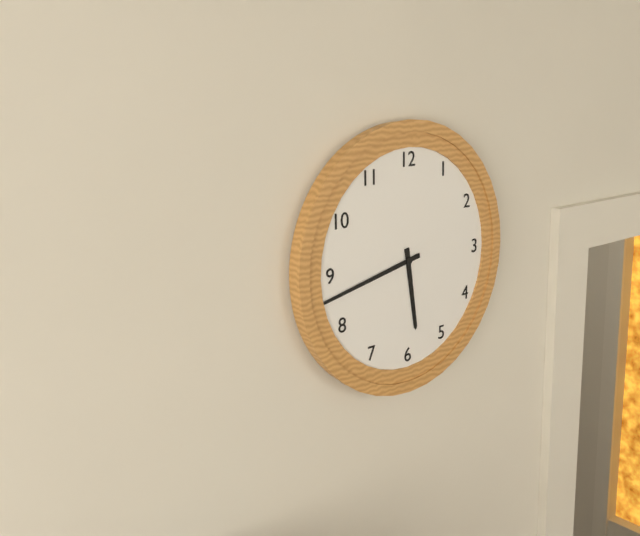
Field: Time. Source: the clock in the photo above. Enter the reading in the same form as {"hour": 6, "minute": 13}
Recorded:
{"hour": 5, "minute": 43}
